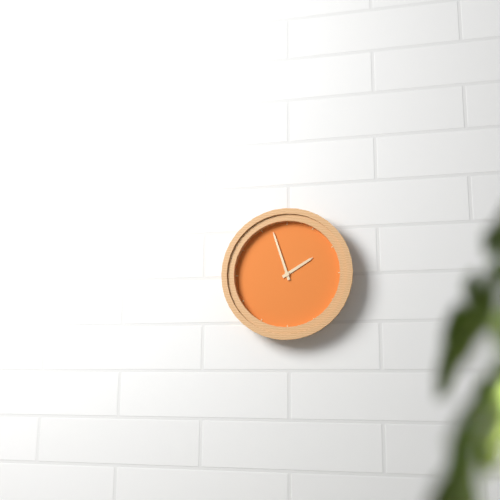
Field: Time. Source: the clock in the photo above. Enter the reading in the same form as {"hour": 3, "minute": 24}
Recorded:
{"hour": 1, "minute": 57}
